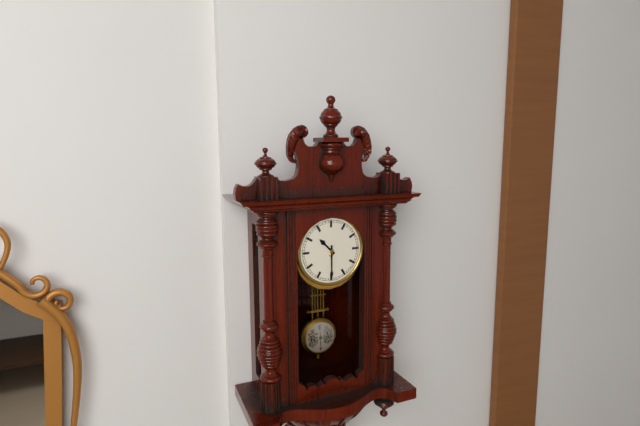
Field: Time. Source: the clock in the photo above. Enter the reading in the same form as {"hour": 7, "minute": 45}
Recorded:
{"hour": 10, "minute": 30}
